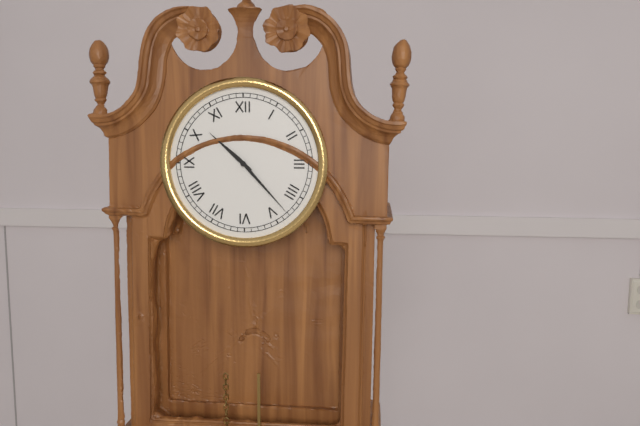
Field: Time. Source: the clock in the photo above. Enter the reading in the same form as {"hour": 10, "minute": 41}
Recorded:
{"hour": 10, "minute": 23}
